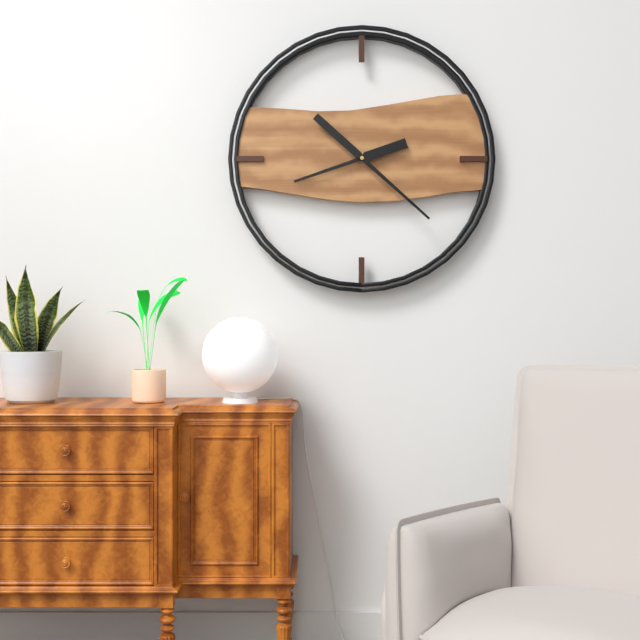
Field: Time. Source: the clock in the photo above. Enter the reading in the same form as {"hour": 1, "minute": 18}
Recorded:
{"hour": 8, "minute": 22}
